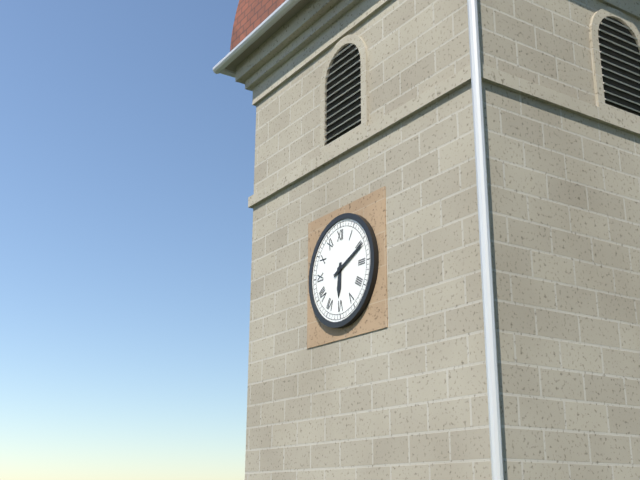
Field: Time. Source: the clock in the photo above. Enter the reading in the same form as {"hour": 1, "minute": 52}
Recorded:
{"hour": 6, "minute": 11}
